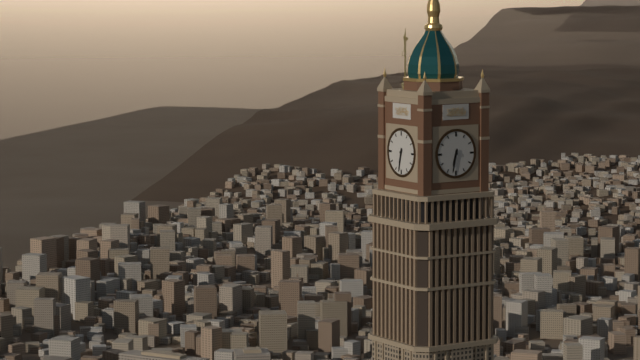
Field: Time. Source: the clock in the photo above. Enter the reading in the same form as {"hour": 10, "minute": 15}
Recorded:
{"hour": 6, "minute": 32}
